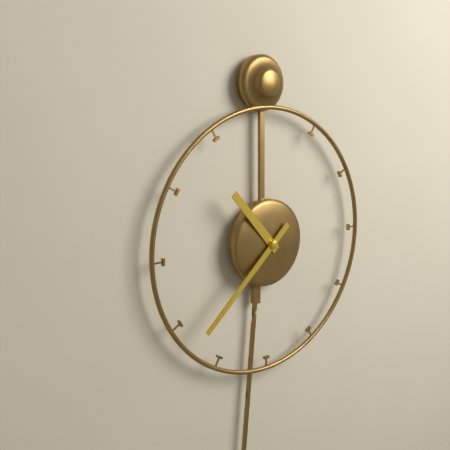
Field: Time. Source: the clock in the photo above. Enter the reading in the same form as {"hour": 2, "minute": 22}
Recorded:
{"hour": 10, "minute": 38}
